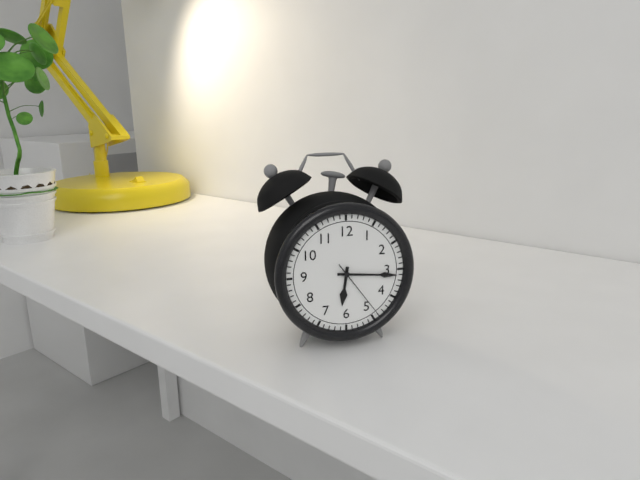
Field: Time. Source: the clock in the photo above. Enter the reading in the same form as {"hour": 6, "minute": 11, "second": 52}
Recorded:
{"hour": 6, "minute": 16, "second": 24}
